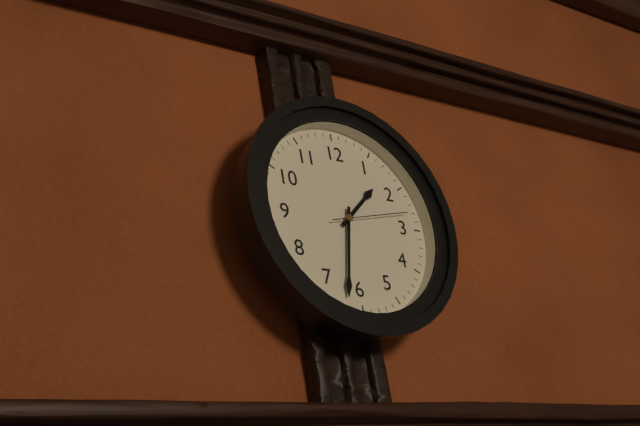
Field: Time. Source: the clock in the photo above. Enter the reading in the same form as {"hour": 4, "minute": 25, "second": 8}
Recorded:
{"hour": 1, "minute": 32, "second": 13}
